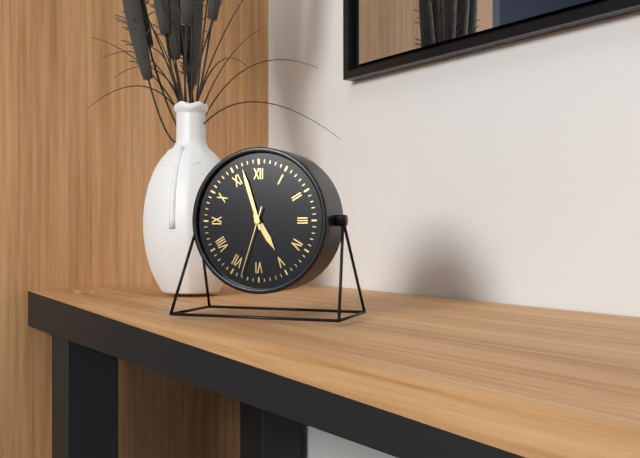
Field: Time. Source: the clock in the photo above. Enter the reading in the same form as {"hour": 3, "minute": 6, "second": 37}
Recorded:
{"hour": 4, "minute": 57, "second": 33}
